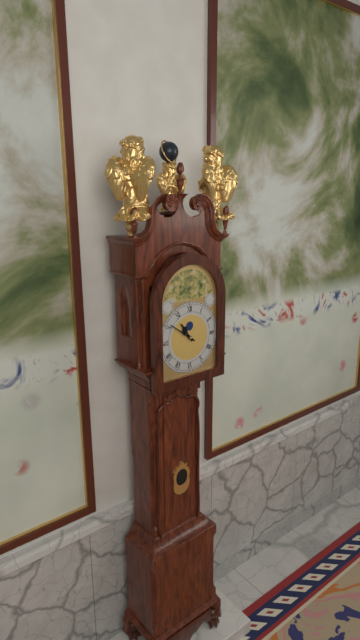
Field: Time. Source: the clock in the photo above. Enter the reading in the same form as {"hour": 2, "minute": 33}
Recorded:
{"hour": 10, "minute": 51}
